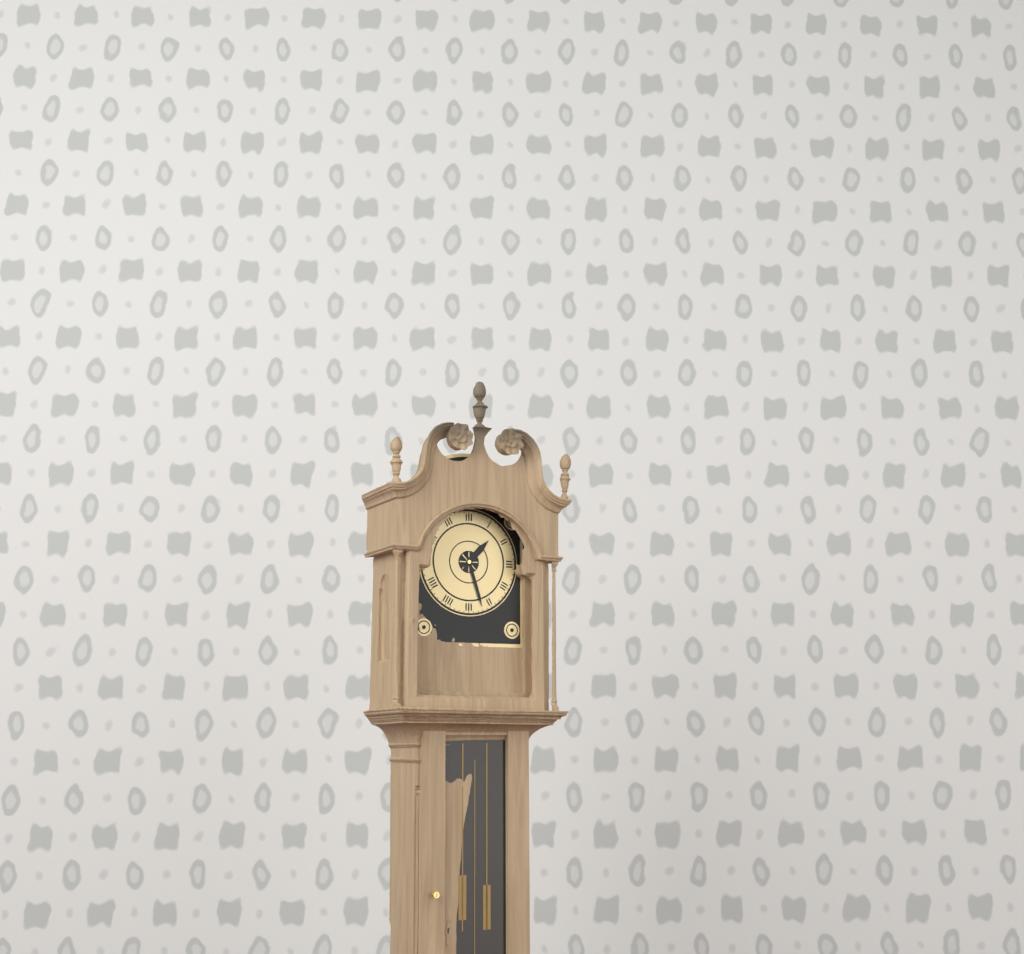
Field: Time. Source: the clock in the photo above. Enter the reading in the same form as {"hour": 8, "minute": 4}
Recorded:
{"hour": 1, "minute": 27}
